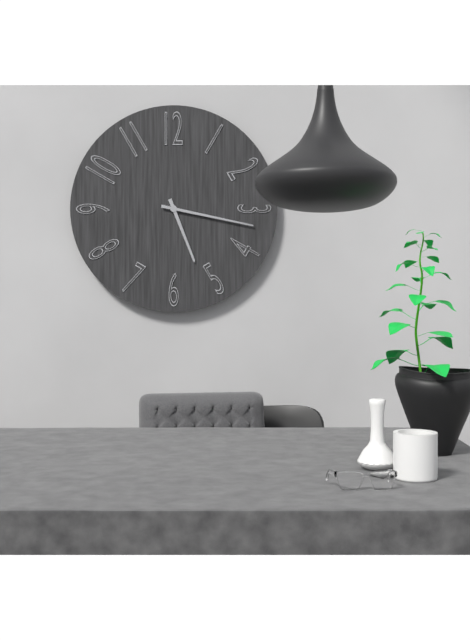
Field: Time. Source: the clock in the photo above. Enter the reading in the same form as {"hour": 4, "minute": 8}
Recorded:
{"hour": 5, "minute": 17}
